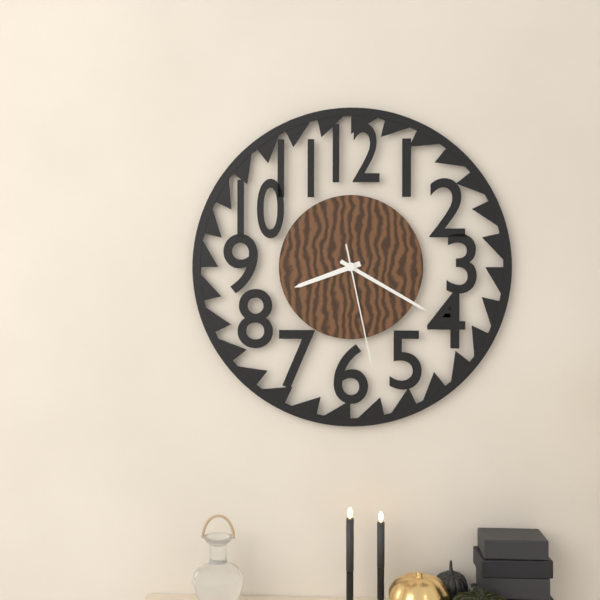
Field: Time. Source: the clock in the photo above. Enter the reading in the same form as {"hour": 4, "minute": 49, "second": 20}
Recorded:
{"hour": 8, "minute": 20, "second": 28}
